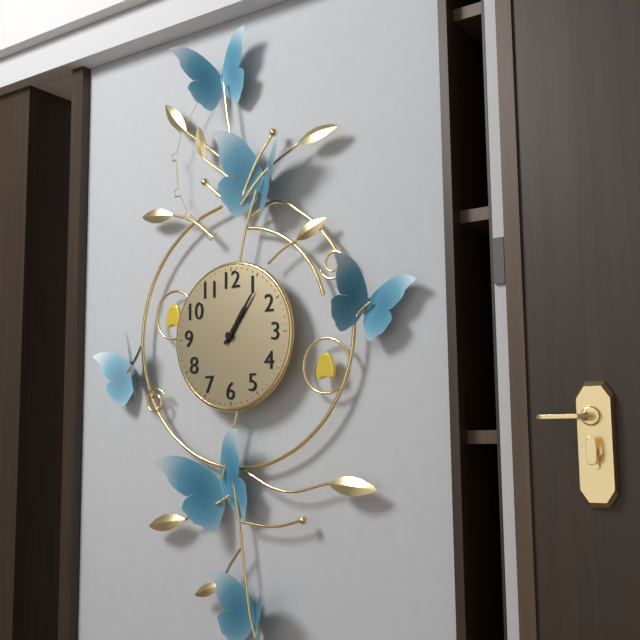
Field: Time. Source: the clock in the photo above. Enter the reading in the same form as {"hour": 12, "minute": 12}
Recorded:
{"hour": 1, "minute": 6}
